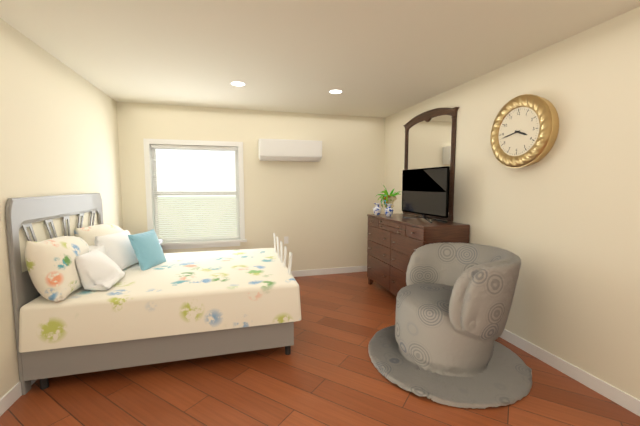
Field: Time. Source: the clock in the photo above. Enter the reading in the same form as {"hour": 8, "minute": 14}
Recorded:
{"hour": 3, "minute": 43}
